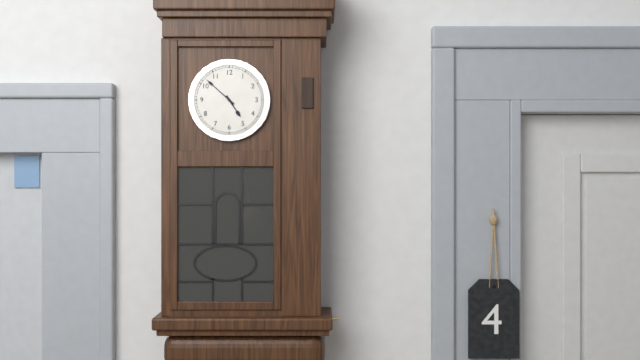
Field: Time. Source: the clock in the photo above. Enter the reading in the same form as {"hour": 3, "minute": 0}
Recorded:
{"hour": 4, "minute": 52}
